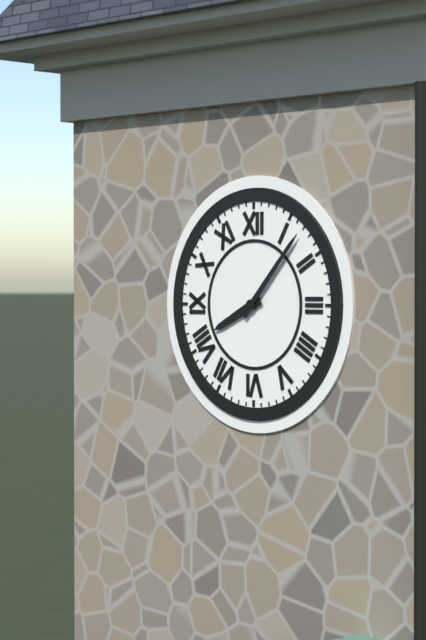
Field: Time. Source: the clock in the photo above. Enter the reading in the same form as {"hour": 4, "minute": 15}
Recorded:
{"hour": 8, "minute": 7}
